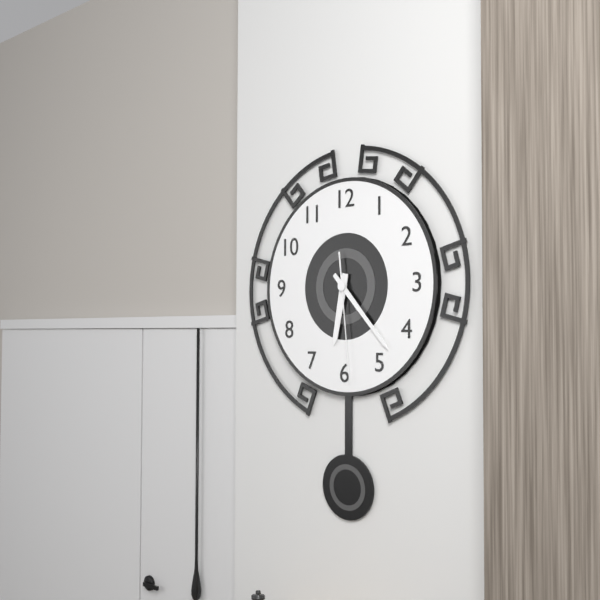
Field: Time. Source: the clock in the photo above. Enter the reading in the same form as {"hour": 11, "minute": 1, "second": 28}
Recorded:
{"hour": 6, "minute": 23, "second": 29}
